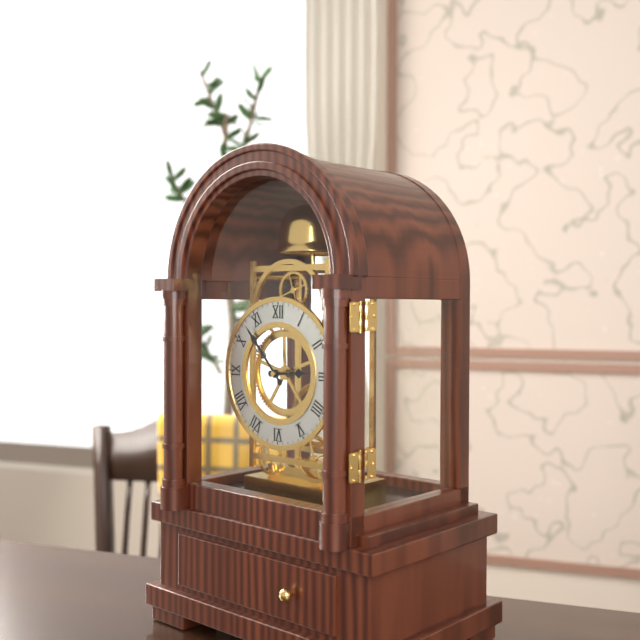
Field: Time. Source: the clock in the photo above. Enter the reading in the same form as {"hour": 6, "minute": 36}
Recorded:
{"hour": 2, "minute": 53}
